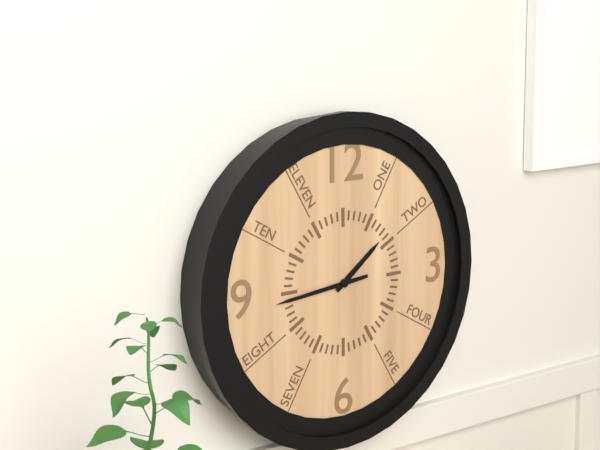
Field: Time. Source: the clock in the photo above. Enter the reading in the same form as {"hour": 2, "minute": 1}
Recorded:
{"hour": 1, "minute": 44}
